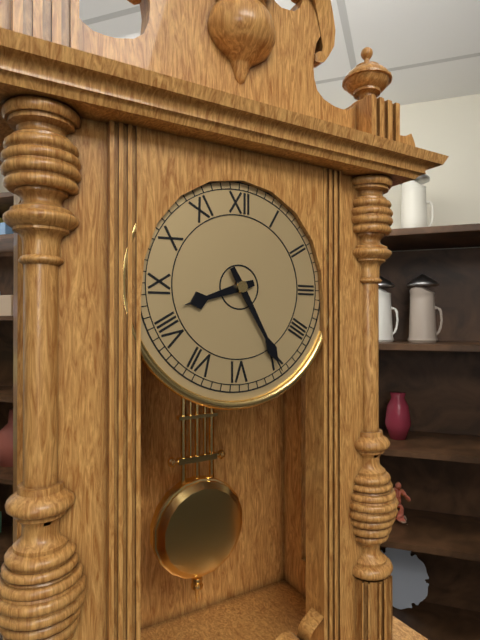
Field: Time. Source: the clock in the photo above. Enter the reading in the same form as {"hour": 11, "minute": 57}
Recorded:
{"hour": 8, "minute": 25}
